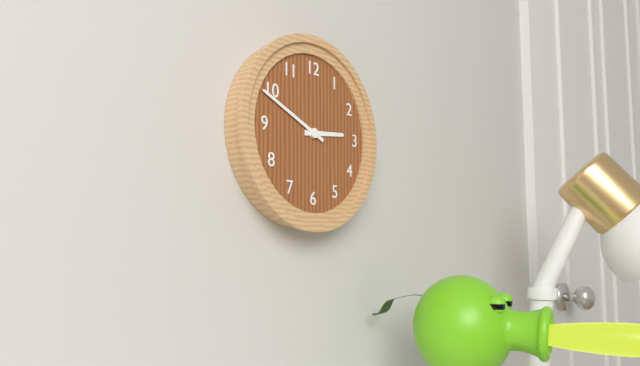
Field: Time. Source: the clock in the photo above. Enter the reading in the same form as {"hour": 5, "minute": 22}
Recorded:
{"hour": 2, "minute": 49}
